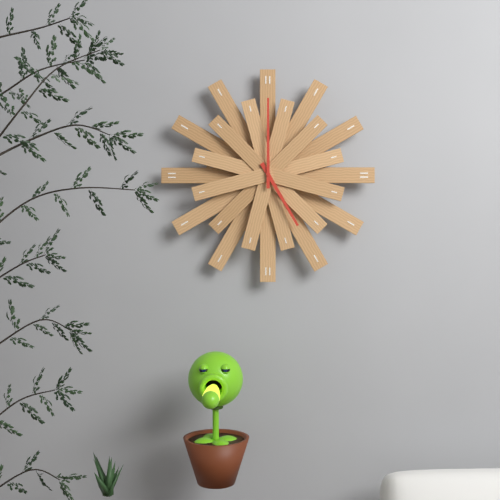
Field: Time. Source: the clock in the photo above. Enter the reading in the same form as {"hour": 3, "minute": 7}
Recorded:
{"hour": 5, "minute": 0}
